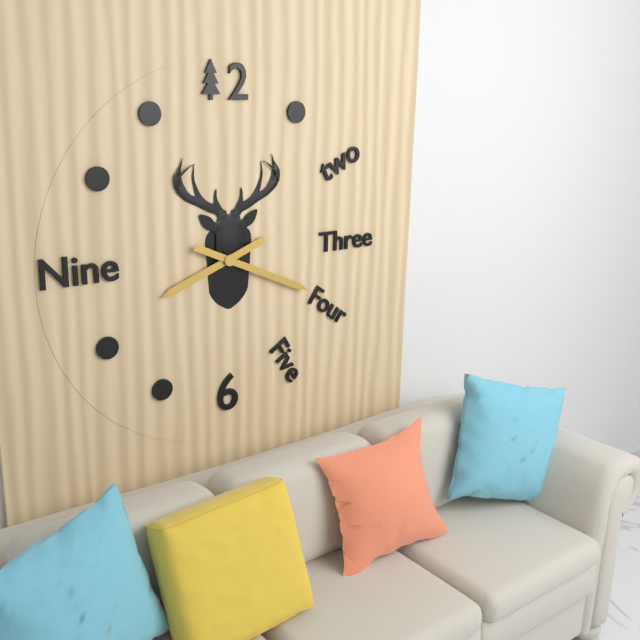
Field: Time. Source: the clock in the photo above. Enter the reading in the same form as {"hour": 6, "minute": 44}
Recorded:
{"hour": 8, "minute": 19}
